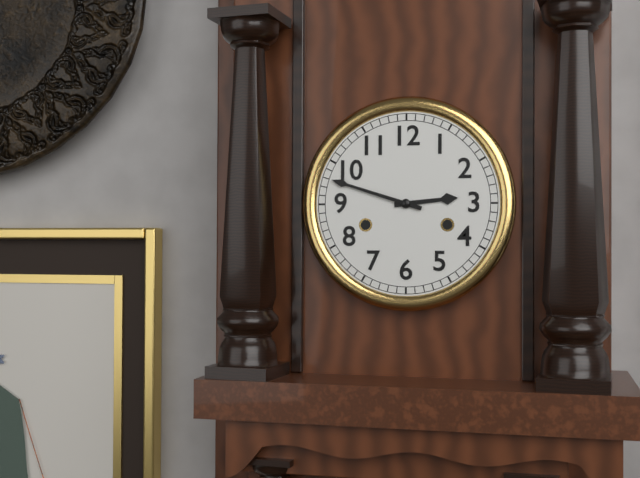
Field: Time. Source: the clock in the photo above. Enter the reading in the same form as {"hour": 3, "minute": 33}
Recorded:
{"hour": 2, "minute": 48}
